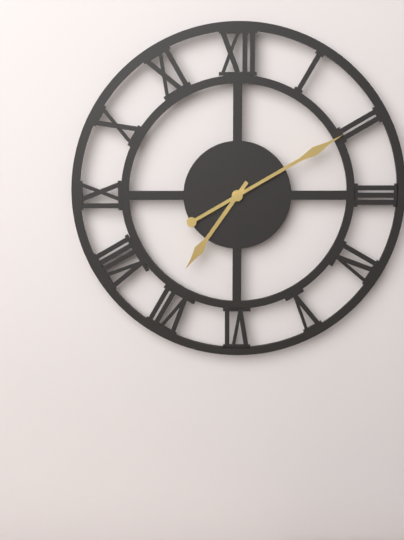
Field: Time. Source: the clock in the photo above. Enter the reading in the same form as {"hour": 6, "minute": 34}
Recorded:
{"hour": 7, "minute": 10}
